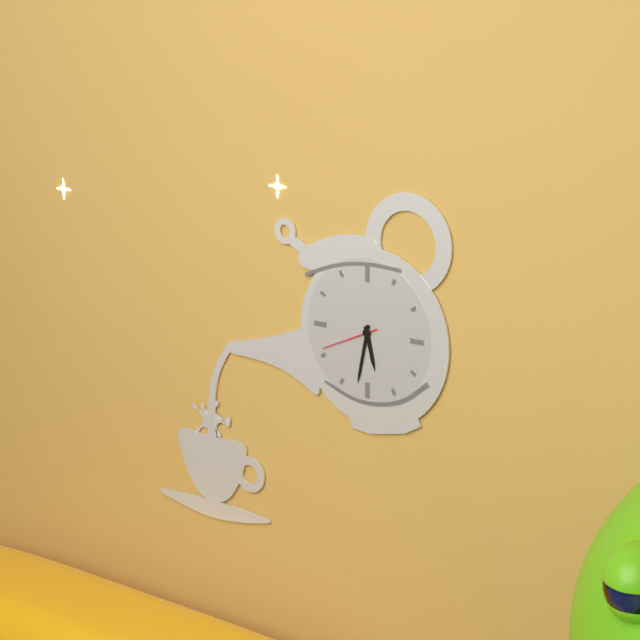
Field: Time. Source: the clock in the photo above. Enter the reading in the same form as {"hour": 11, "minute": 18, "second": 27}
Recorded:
{"hour": 5, "minute": 32, "second": 41}
